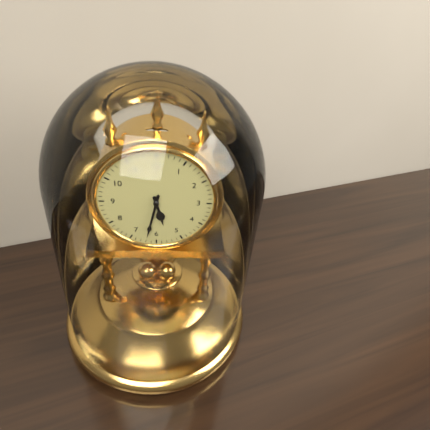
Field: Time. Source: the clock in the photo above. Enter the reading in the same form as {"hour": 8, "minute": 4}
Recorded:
{"hour": 5, "minute": 32}
